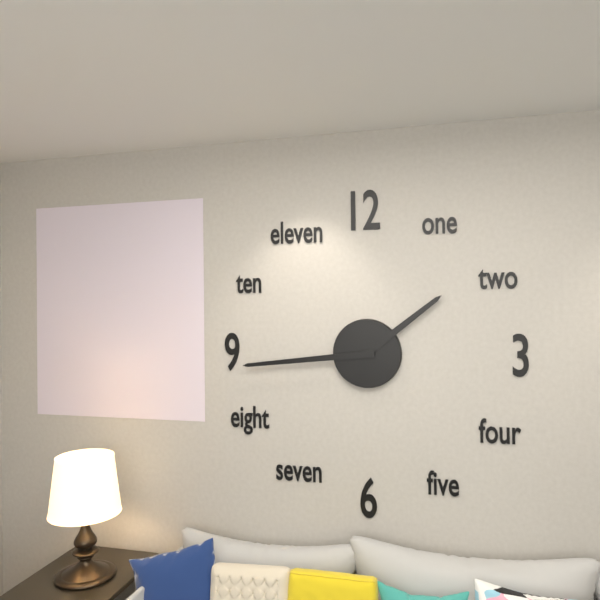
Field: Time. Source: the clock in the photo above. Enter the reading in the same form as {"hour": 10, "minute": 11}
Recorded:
{"hour": 1, "minute": 44}
